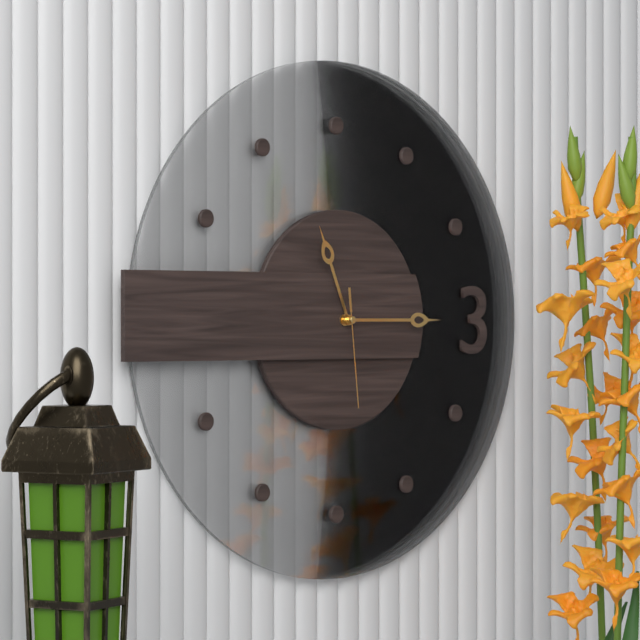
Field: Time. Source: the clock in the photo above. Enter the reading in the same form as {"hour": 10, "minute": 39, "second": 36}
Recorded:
{"hour": 11, "minute": 15, "second": 29}
